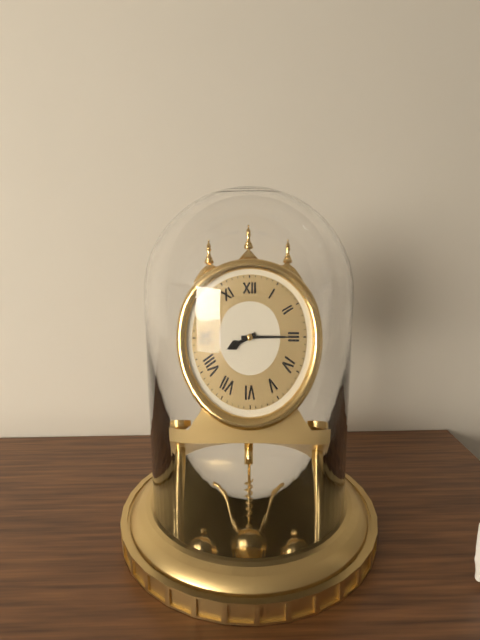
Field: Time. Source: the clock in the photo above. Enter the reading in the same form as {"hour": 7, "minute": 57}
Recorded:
{"hour": 8, "minute": 15}
